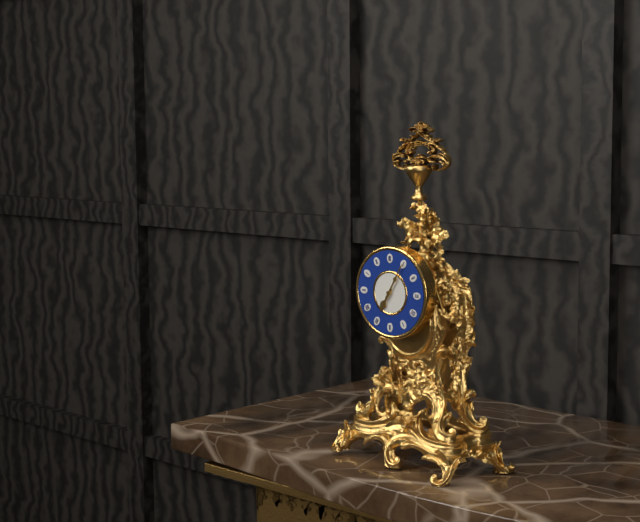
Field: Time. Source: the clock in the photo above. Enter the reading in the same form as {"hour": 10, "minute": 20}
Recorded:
{"hour": 7, "minute": 5}
